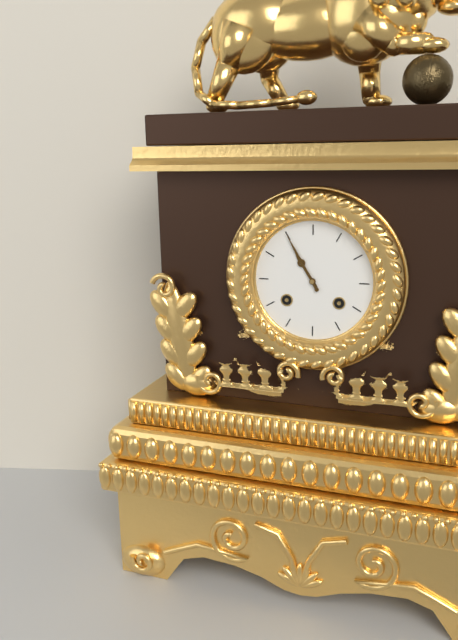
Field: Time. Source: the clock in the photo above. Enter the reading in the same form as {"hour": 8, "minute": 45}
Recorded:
{"hour": 10, "minute": 55}
